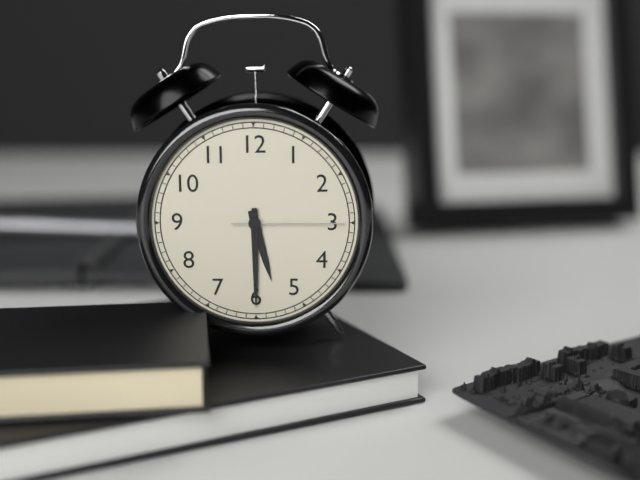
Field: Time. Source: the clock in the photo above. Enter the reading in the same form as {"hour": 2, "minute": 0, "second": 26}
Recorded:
{"hour": 5, "minute": 30, "second": 15}
